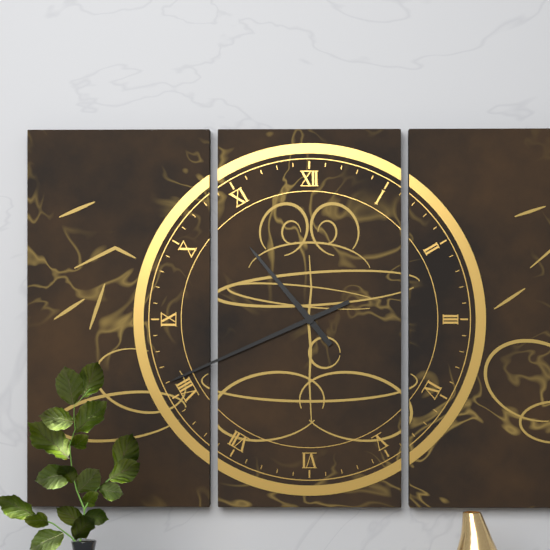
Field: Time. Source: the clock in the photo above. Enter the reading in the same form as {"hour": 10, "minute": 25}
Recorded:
{"hour": 10, "minute": 41}
